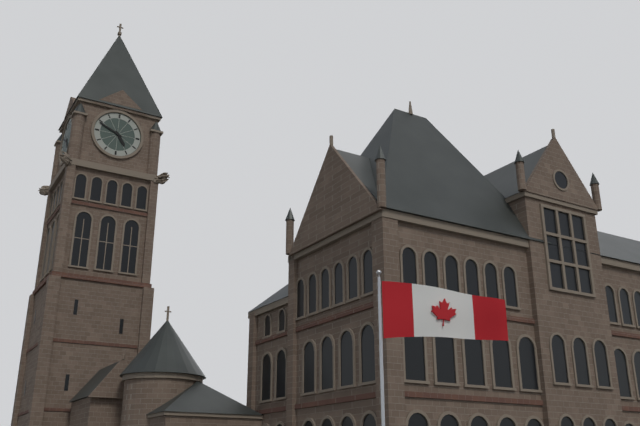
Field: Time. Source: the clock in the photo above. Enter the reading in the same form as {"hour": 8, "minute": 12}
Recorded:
{"hour": 4, "minute": 49}
